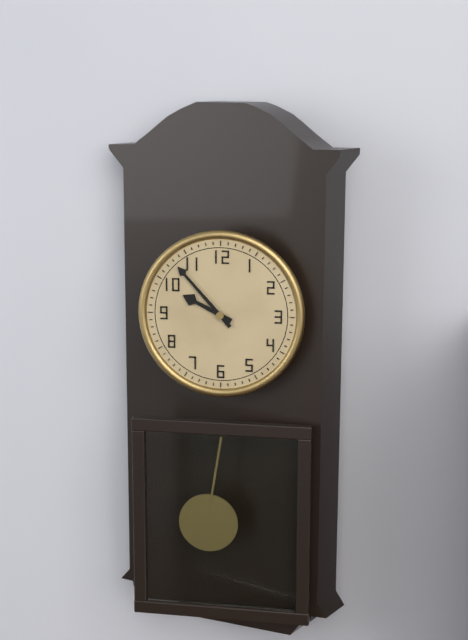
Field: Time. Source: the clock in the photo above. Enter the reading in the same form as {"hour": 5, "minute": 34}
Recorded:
{"hour": 9, "minute": 53}
